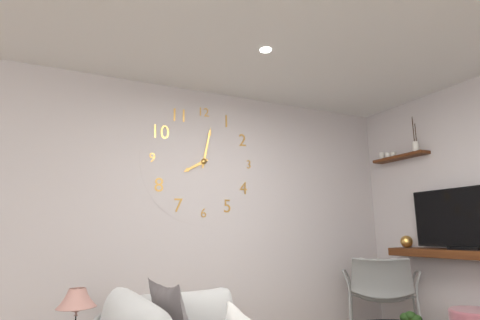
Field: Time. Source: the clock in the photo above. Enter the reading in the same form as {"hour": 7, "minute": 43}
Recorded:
{"hour": 8, "minute": 2}
